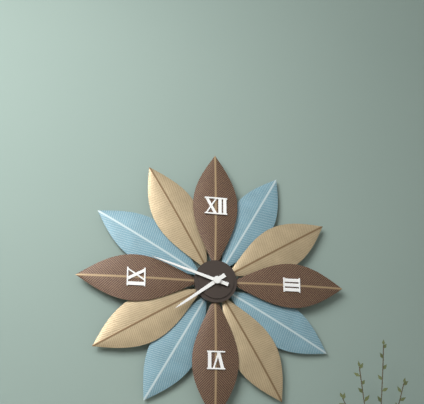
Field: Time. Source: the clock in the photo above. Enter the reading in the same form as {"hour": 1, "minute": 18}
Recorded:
{"hour": 7, "minute": 48}
